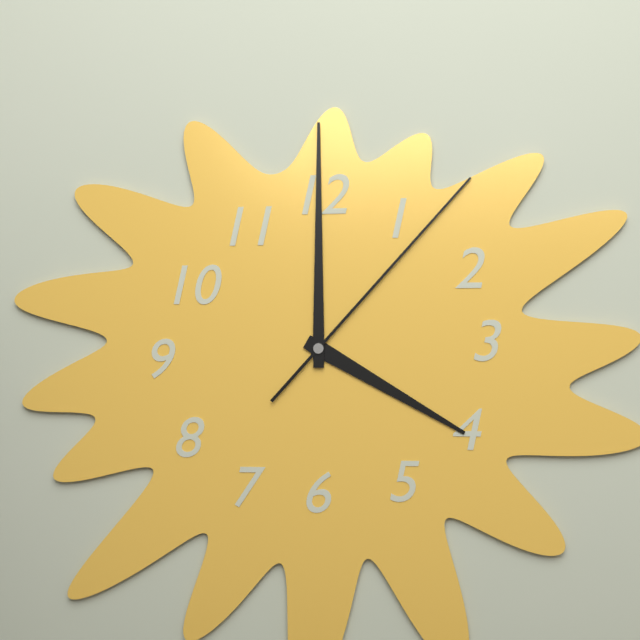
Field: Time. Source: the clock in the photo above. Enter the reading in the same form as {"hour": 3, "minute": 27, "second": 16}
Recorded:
{"hour": 4, "minute": 0, "second": 7}
